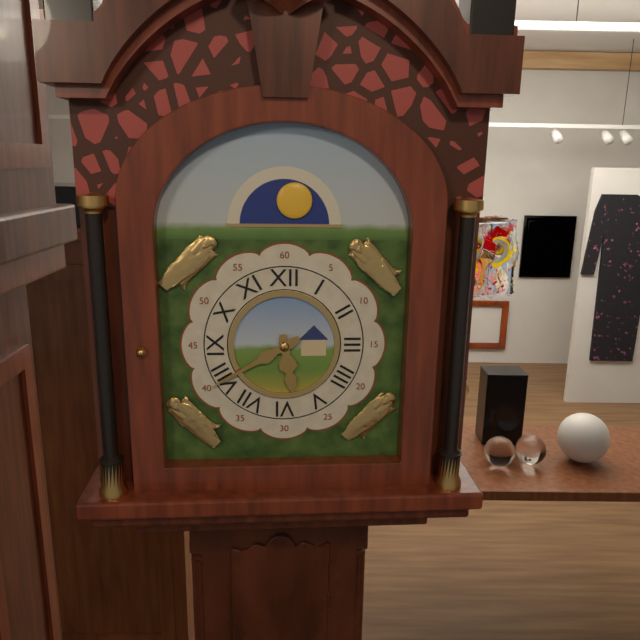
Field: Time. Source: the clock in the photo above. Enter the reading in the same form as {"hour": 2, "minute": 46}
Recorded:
{"hour": 5, "minute": 40}
